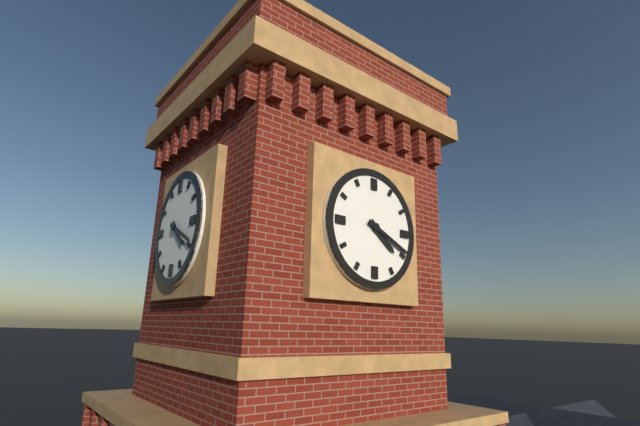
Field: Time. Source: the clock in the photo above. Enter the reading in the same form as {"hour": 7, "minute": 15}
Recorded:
{"hour": 4, "minute": 19}
